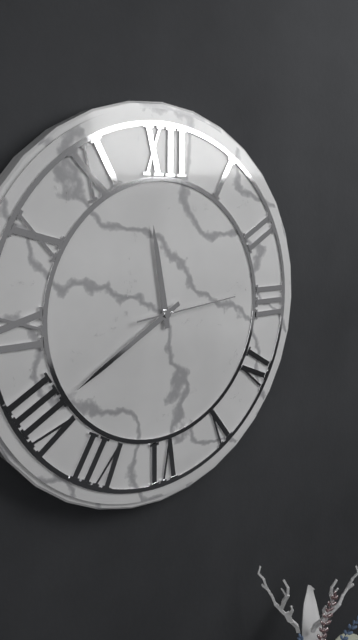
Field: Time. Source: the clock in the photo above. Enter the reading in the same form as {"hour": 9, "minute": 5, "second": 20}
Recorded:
{"hour": 11, "minute": 40, "second": 14}
